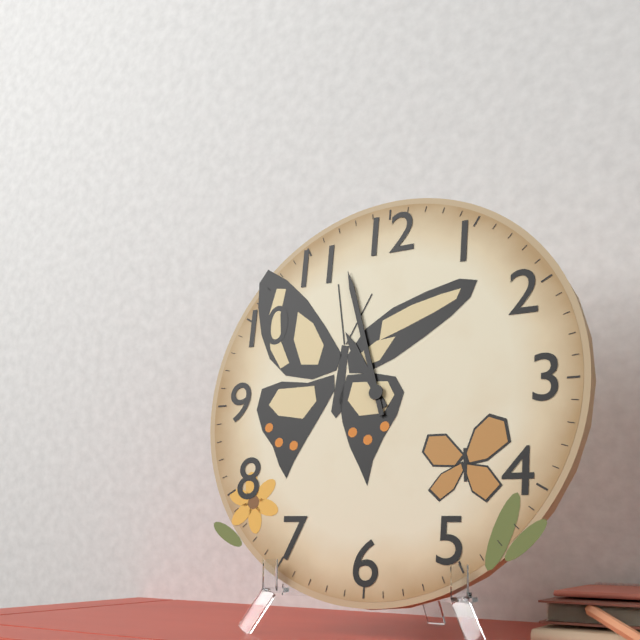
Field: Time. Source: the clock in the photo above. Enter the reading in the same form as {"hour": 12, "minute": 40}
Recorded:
{"hour": 10, "minute": 57}
